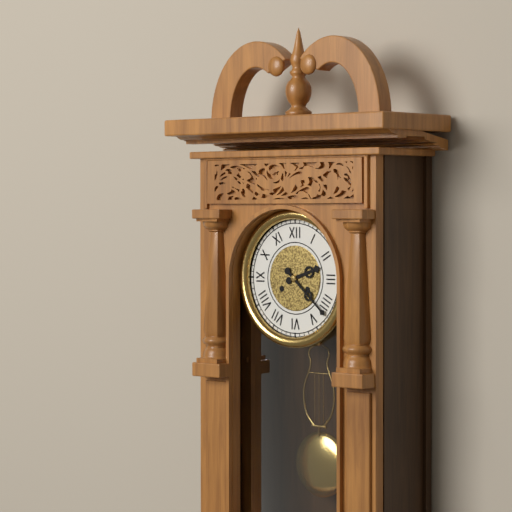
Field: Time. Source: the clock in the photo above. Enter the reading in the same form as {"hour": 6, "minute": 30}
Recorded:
{"hour": 2, "minute": 22}
